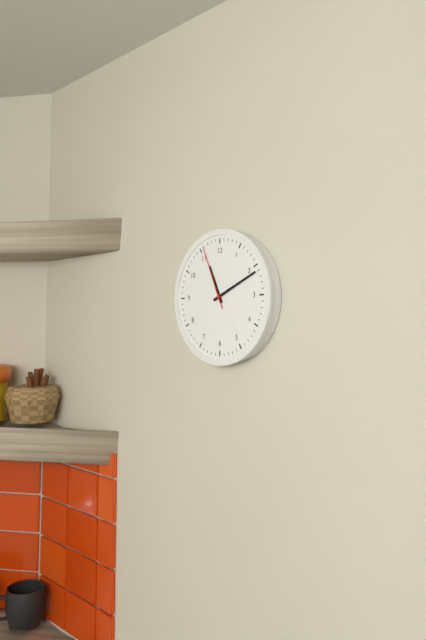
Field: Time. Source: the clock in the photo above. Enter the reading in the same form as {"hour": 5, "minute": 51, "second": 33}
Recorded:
{"hour": 11, "minute": 11, "second": 56}
